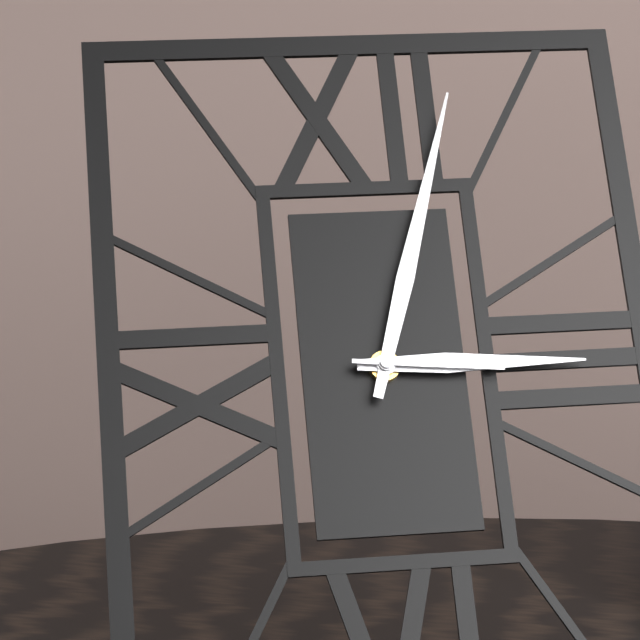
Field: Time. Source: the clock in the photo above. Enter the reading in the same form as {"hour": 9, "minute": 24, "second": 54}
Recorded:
{"hour": 3, "minute": 3, "second": 16}
